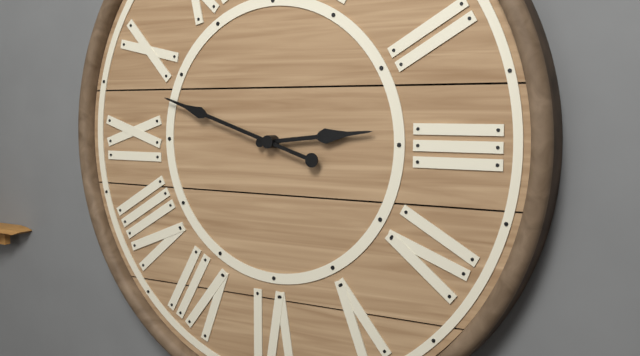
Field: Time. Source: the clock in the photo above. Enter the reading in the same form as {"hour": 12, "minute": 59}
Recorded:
{"hour": 2, "minute": 48}
